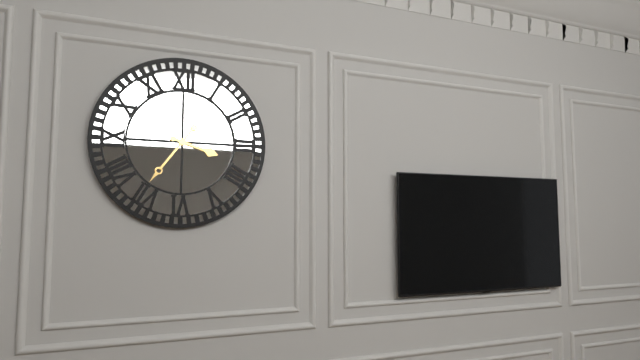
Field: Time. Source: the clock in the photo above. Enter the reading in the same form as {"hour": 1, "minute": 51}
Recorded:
{"hour": 3, "minute": 36}
